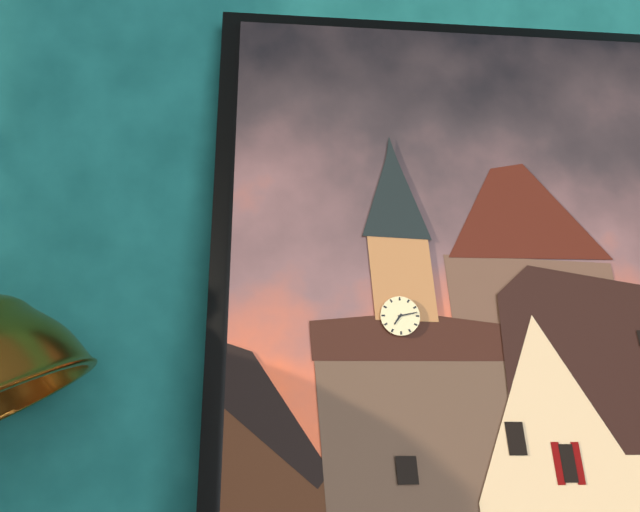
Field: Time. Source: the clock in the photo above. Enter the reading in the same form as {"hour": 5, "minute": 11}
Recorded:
{"hour": 7, "minute": 13}
